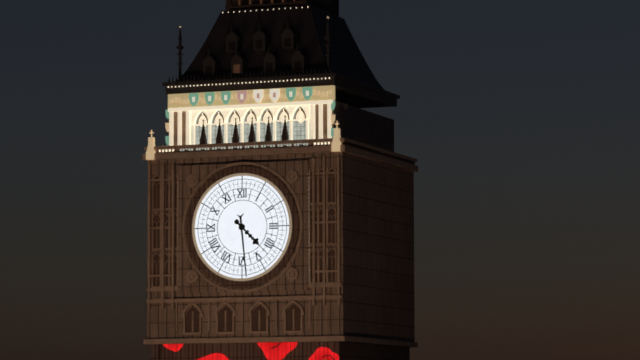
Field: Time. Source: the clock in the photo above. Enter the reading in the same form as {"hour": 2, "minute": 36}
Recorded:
{"hour": 4, "minute": 29}
